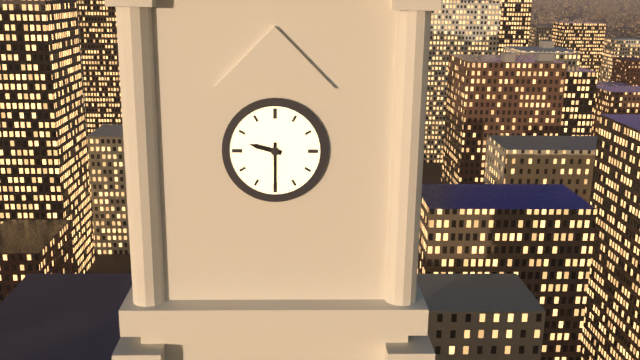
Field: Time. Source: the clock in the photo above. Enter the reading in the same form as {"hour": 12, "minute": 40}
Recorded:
{"hour": 9, "minute": 30}
